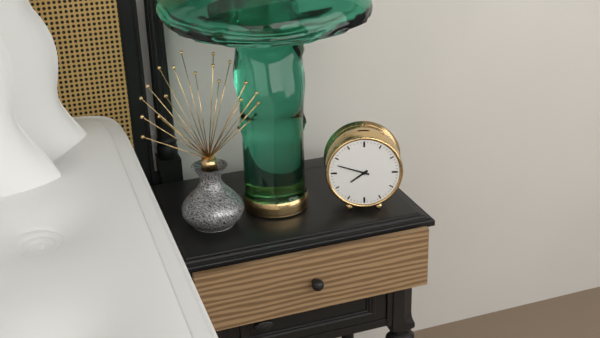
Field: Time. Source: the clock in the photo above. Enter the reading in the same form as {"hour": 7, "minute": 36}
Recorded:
{"hour": 7, "minute": 48}
